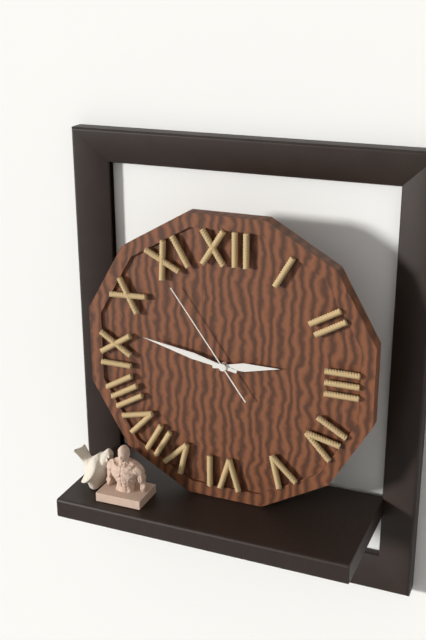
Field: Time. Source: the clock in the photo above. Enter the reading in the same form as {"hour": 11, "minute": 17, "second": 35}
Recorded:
{"hour": 2, "minute": 47, "second": 54}
